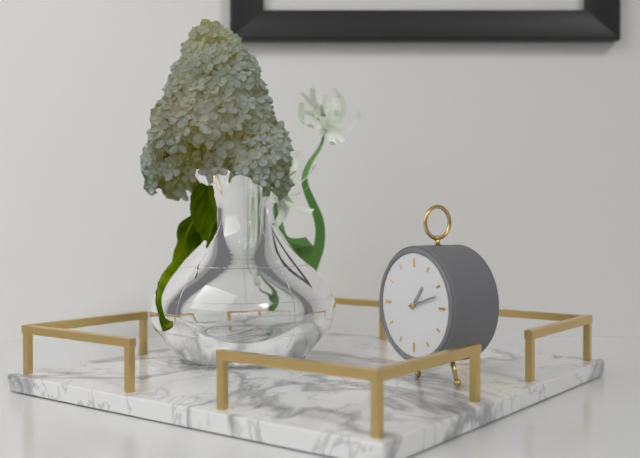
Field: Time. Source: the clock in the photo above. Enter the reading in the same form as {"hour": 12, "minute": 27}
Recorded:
{"hour": 1, "minute": 12}
